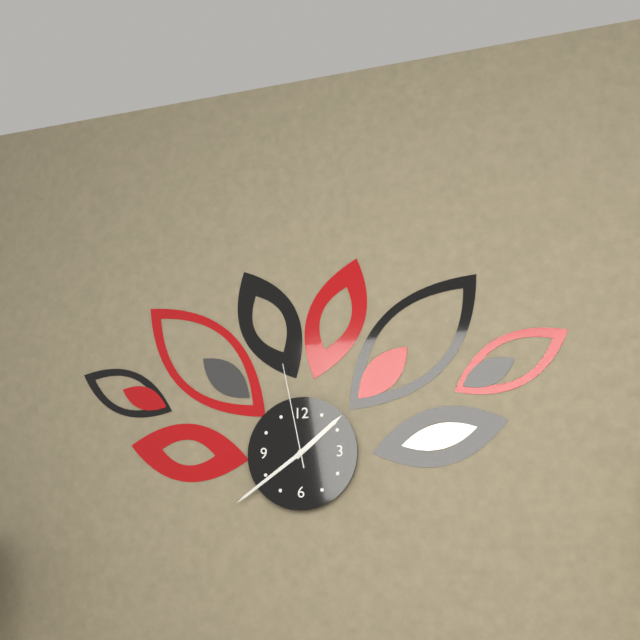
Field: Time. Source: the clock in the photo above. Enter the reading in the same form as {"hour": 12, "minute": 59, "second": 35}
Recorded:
{"hour": 1, "minute": 39, "second": 58}
